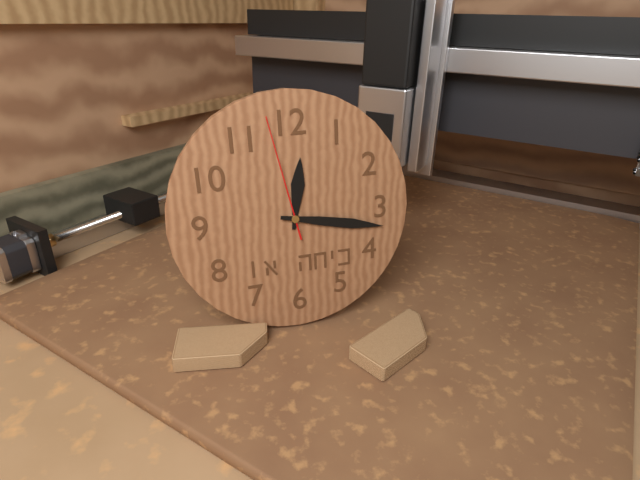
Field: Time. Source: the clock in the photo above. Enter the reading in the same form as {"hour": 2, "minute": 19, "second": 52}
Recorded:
{"hour": 12, "minute": 17, "second": 58}
